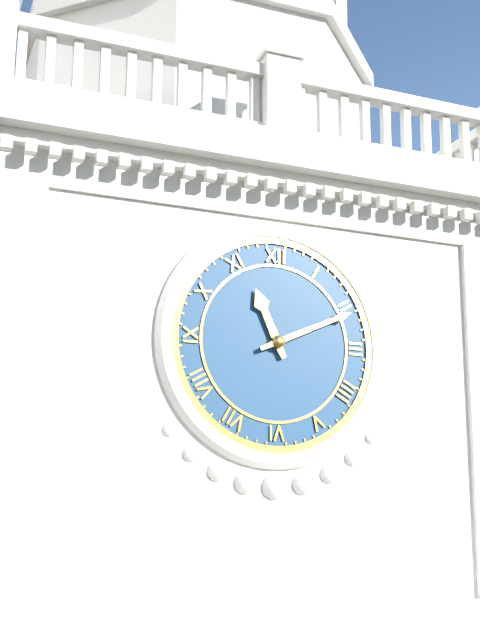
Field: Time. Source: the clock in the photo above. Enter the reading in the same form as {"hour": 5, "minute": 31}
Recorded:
{"hour": 11, "minute": 11}
